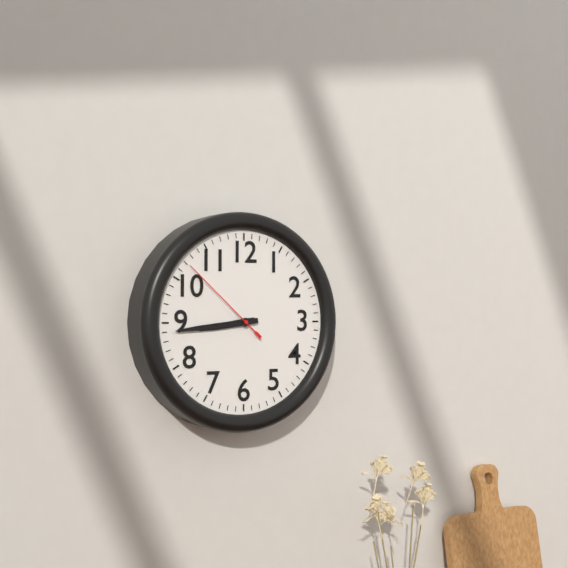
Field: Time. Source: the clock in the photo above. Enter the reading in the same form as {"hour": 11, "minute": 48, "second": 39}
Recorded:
{"hour": 8, "minute": 44, "second": 52}
